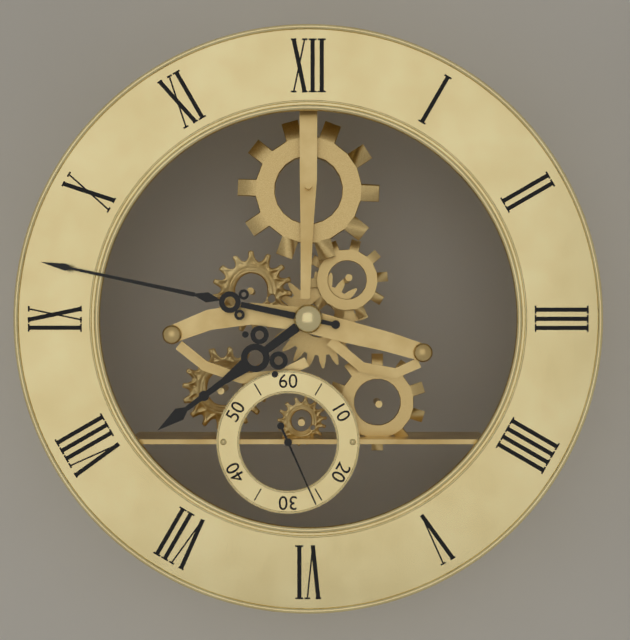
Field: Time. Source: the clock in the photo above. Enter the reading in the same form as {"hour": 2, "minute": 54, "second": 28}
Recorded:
{"hour": 7, "minute": 47, "second": 26}
